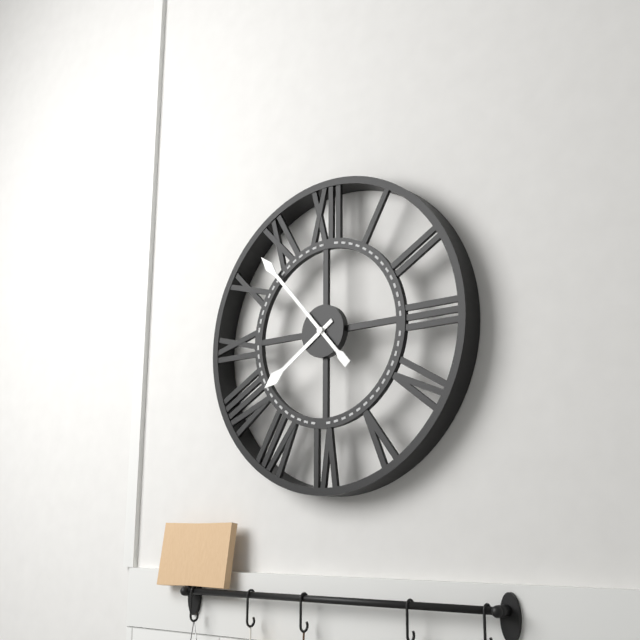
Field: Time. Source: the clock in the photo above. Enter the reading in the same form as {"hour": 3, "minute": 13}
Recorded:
{"hour": 7, "minute": 53}
